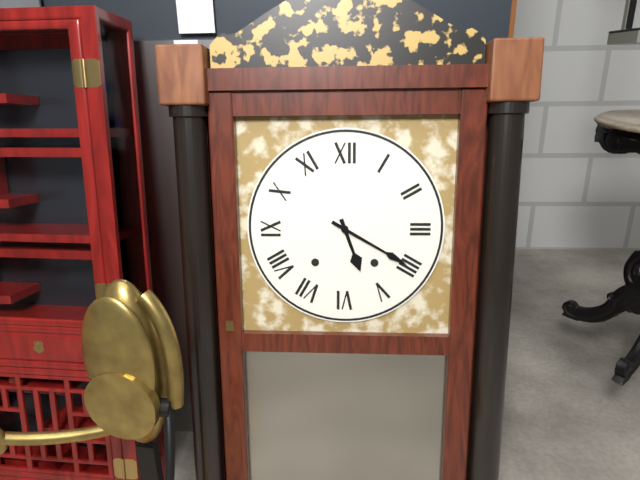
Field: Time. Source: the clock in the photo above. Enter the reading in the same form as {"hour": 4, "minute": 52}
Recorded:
{"hour": 5, "minute": 20}
